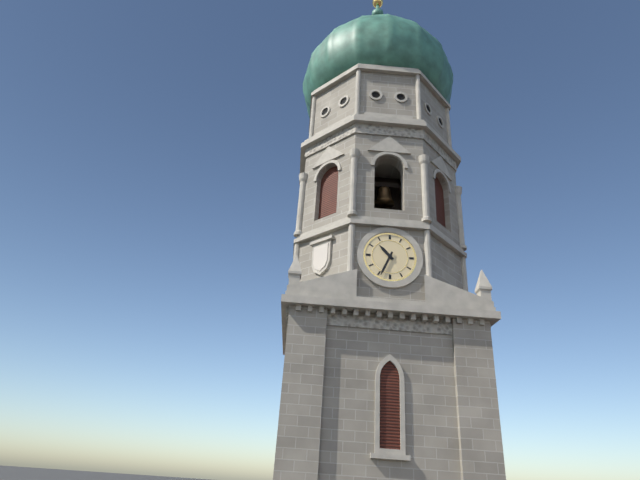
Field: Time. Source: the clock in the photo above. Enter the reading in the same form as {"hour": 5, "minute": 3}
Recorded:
{"hour": 10, "minute": 34}
